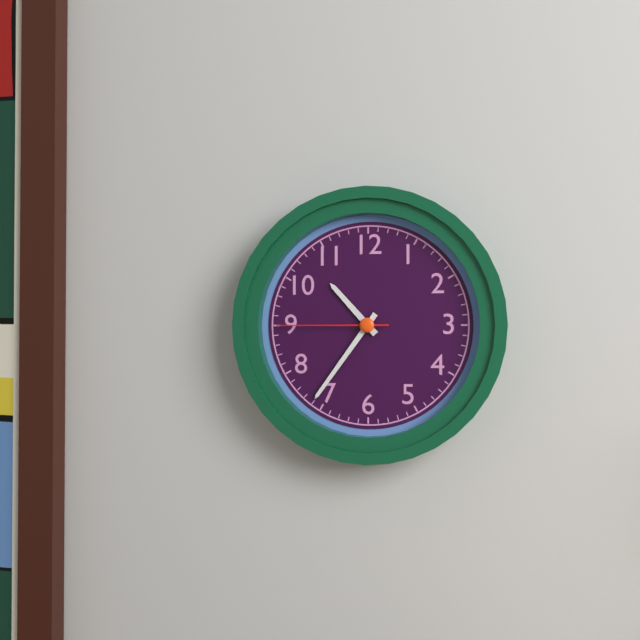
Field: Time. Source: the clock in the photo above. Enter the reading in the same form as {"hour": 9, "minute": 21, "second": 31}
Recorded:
{"hour": 10, "minute": 36, "second": 45}
